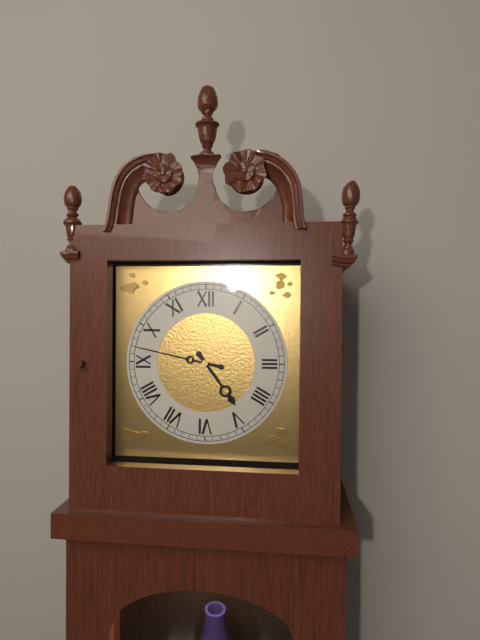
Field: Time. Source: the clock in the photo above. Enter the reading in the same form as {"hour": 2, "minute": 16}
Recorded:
{"hour": 4, "minute": 47}
